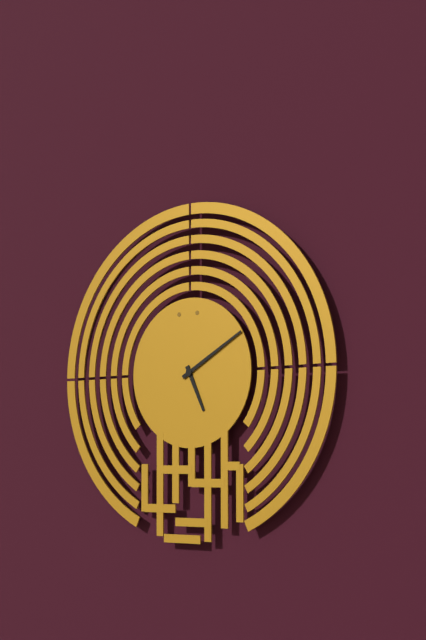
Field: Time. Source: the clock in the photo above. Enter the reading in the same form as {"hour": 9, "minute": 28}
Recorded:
{"hour": 5, "minute": 10}
